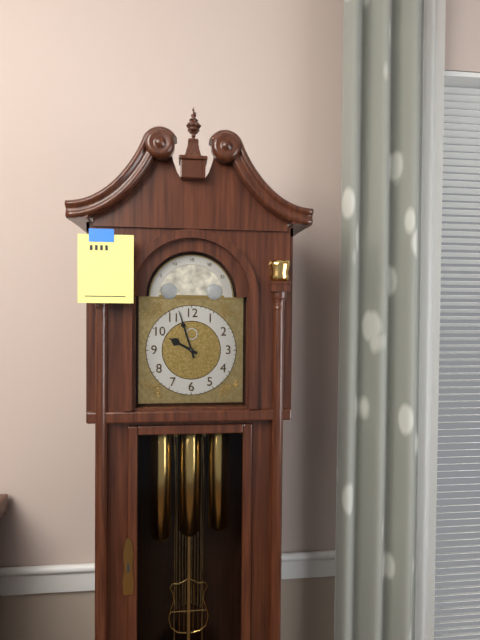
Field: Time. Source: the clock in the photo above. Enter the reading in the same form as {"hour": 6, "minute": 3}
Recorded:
{"hour": 9, "minute": 57}
